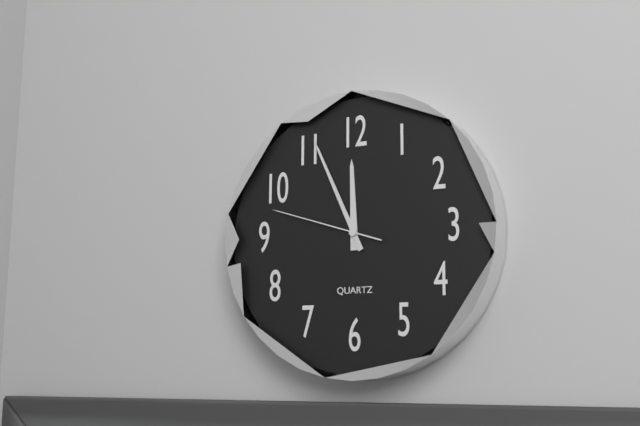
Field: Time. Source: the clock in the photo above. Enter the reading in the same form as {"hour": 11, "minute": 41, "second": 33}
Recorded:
{"hour": 11, "minute": 56, "second": 48}
